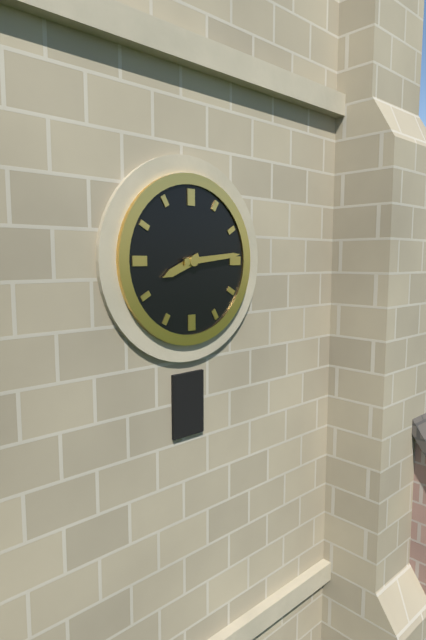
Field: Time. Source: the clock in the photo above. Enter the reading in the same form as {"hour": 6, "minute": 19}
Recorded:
{"hour": 8, "minute": 14}
